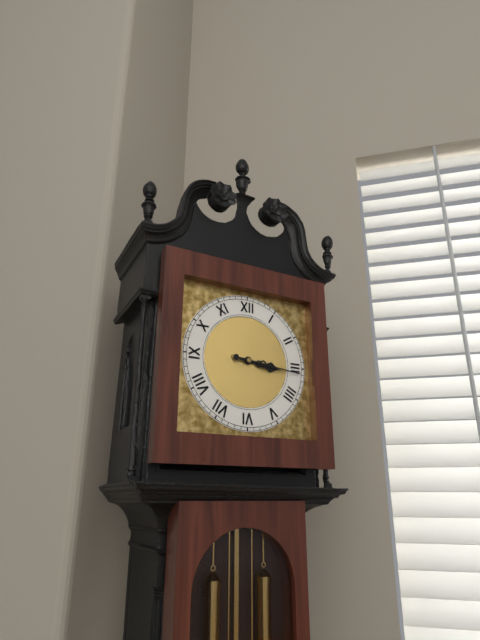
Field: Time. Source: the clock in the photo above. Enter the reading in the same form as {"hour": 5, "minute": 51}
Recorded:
{"hour": 3, "minute": 16}
